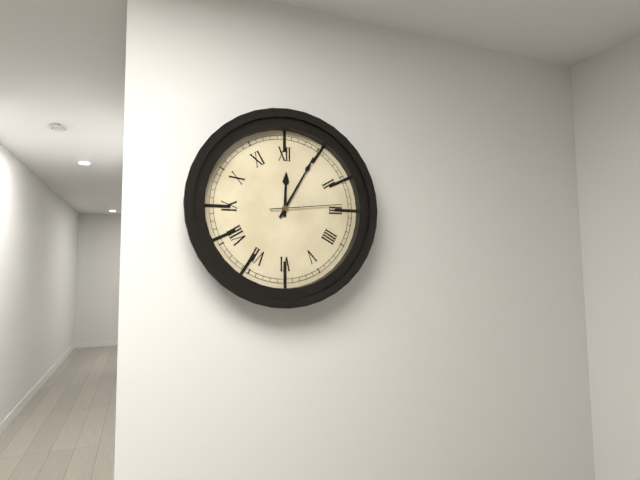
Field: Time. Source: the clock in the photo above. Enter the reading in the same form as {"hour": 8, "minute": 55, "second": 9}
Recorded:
{"hour": 12, "minute": 5, "second": 14}
